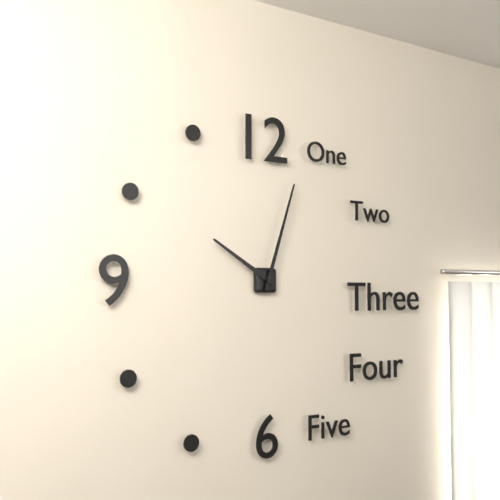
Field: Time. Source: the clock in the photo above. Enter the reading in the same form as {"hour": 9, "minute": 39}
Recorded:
{"hour": 10, "minute": 3}
